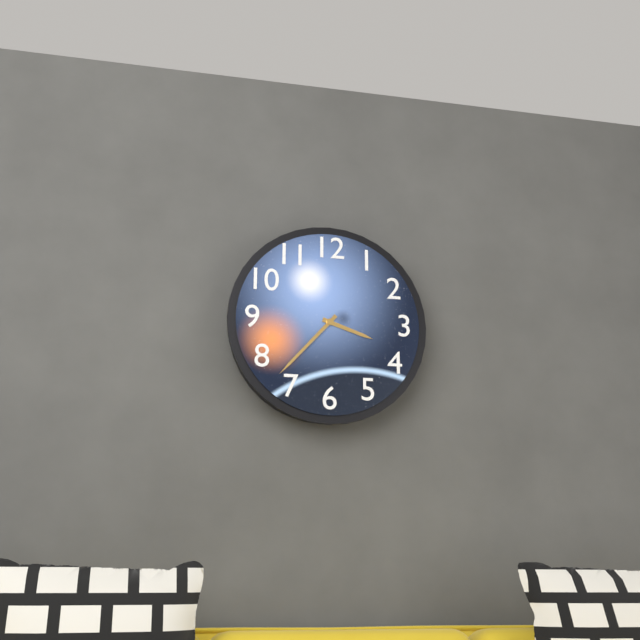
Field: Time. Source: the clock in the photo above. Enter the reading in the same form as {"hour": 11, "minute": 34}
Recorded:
{"hour": 3, "minute": 37}
